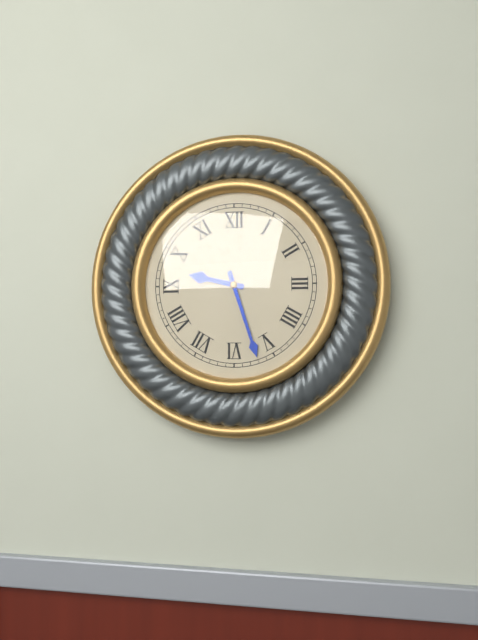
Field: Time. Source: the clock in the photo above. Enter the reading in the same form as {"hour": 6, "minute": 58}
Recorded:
{"hour": 9, "minute": 27}
